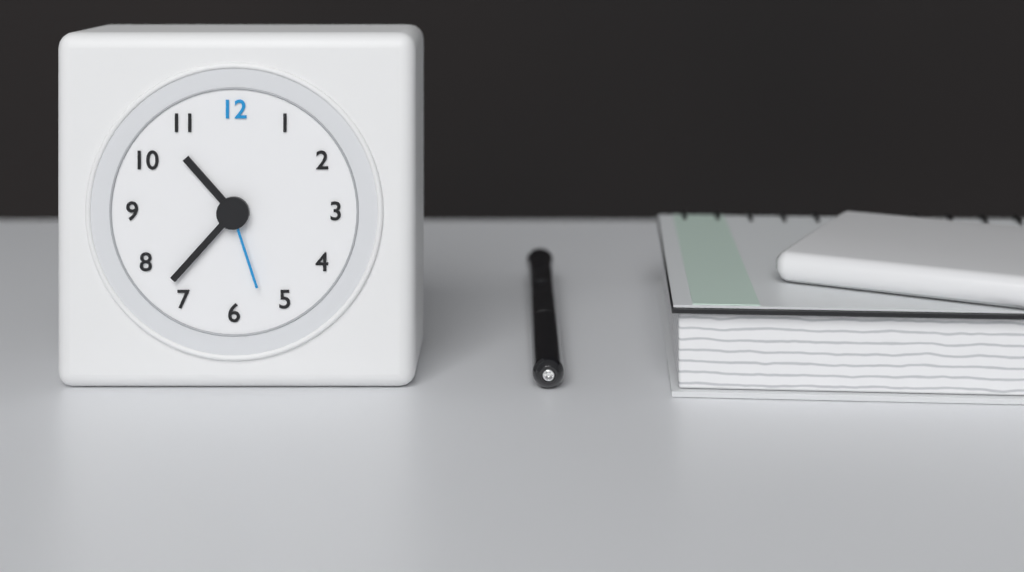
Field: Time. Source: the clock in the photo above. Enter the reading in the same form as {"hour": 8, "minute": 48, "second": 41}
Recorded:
{"hour": 10, "minute": 37, "second": 27}
